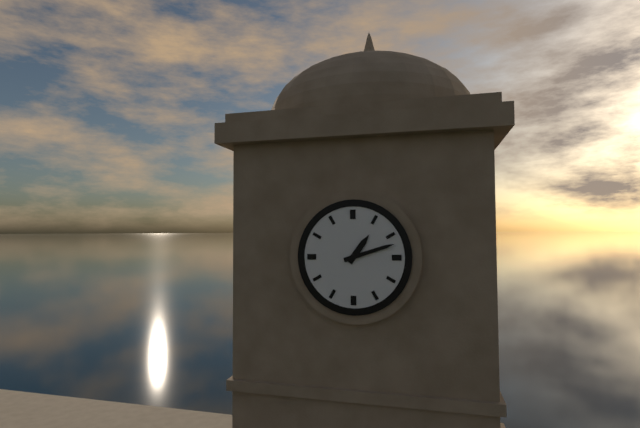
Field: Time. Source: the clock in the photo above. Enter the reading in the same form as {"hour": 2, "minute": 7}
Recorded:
{"hour": 1, "minute": 12}
